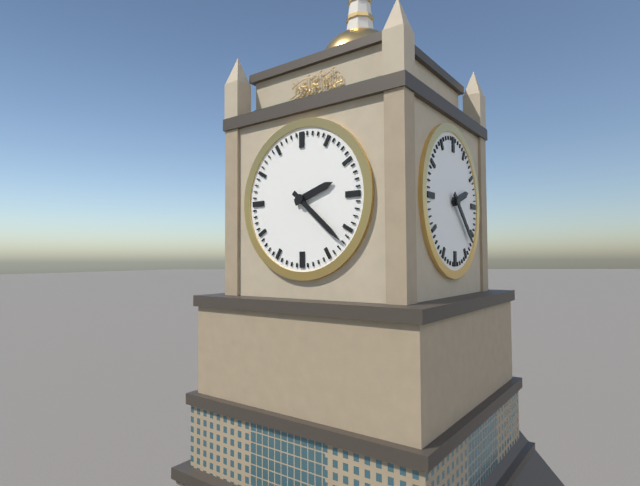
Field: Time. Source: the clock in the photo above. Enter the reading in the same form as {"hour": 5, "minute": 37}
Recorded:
{"hour": 2, "minute": 22}
